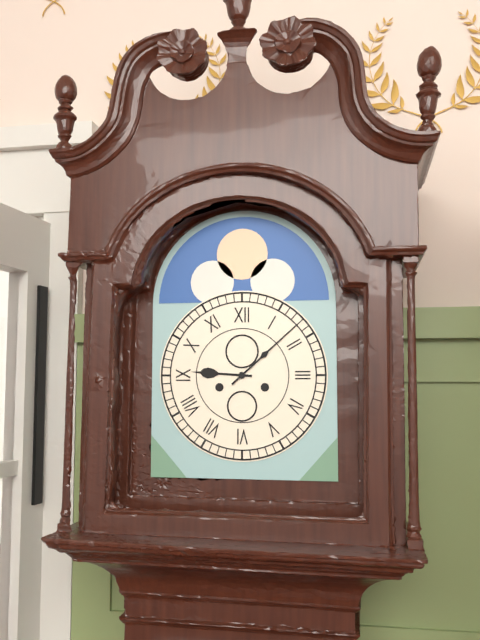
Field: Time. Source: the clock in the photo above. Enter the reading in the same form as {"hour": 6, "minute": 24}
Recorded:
{"hour": 9, "minute": 8}
